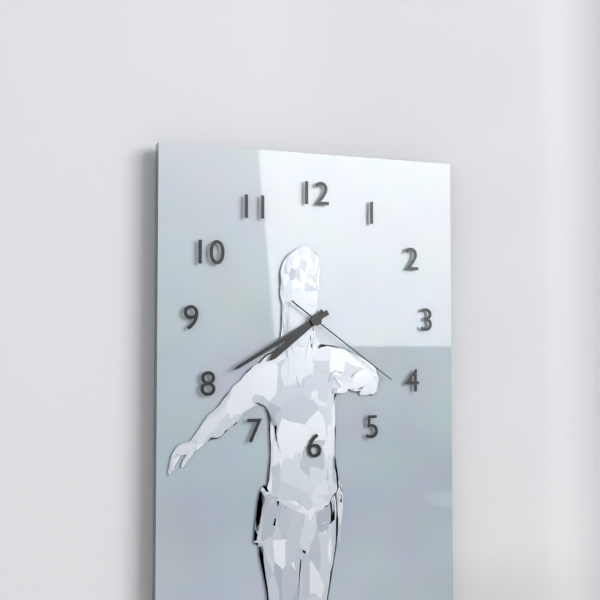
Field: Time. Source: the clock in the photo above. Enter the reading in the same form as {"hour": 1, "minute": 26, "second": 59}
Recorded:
{"hour": 7, "minute": 40, "second": 21}
